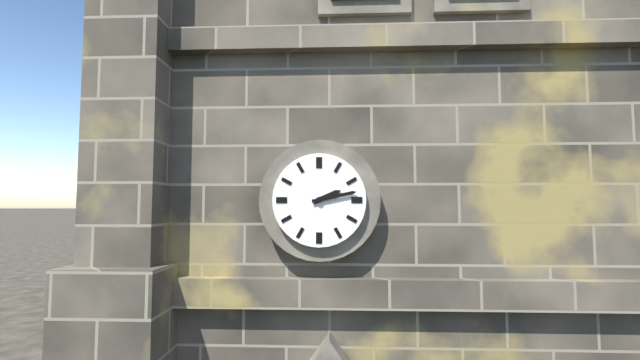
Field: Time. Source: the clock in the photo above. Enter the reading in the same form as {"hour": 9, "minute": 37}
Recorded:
{"hour": 2, "minute": 13}
